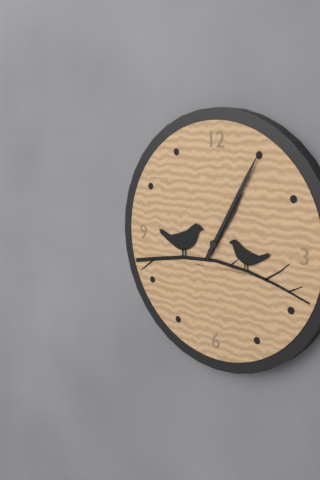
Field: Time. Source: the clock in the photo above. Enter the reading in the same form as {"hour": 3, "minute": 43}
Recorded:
{"hour": 1, "minute": 5}
